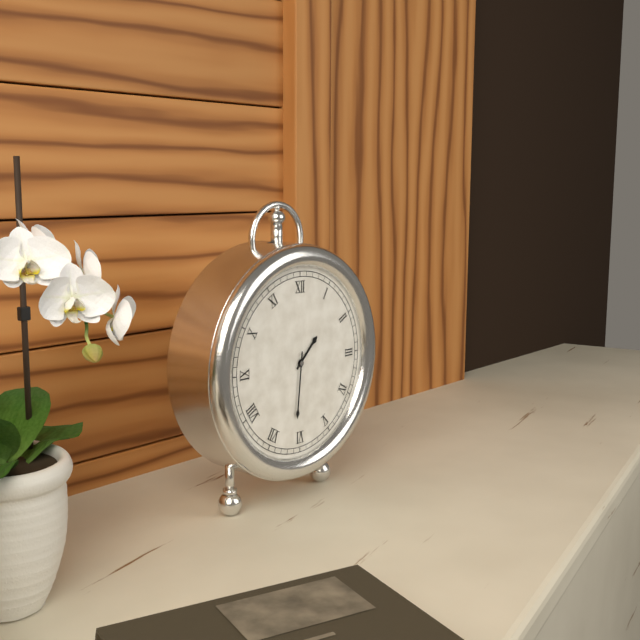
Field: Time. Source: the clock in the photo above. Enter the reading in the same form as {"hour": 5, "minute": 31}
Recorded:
{"hour": 1, "minute": 31}
